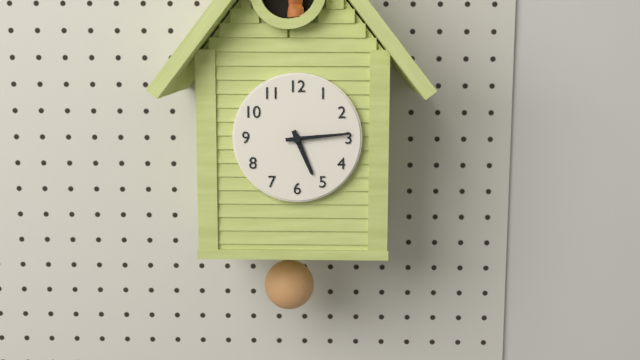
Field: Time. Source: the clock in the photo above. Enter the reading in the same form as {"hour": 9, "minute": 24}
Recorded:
{"hour": 5, "minute": 14}
